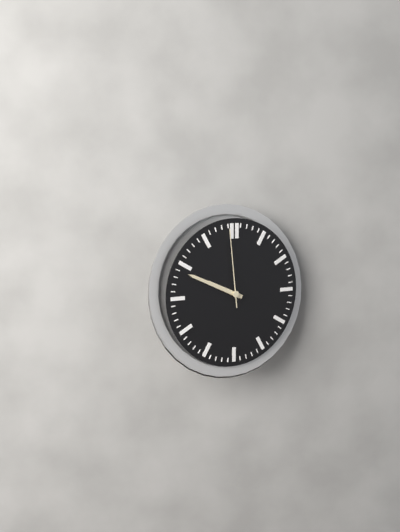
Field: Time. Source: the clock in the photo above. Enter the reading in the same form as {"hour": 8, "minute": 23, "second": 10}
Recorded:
{"hour": 9, "minute": 49, "second": 59}
